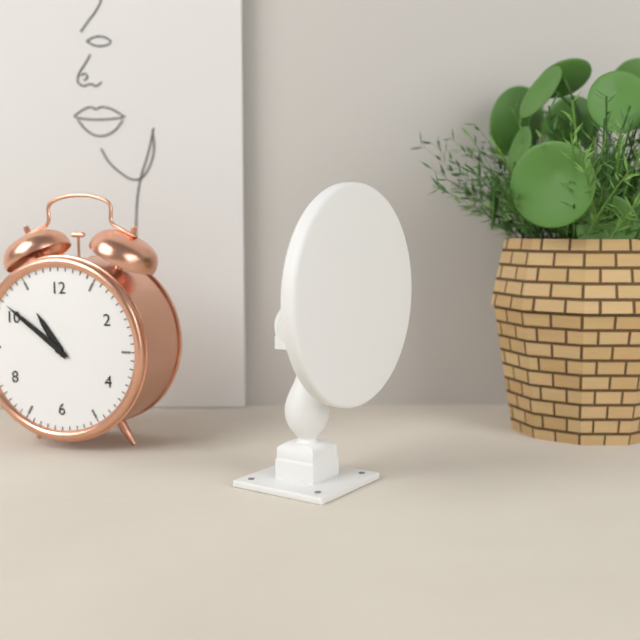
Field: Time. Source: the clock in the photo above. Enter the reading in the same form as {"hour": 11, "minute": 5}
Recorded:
{"hour": 10, "minute": 51}
